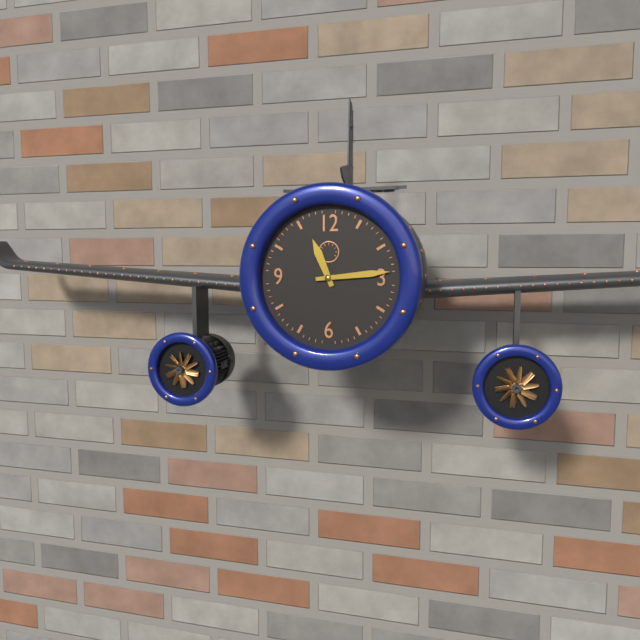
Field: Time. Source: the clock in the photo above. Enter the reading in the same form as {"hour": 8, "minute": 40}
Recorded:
{"hour": 11, "minute": 14}
